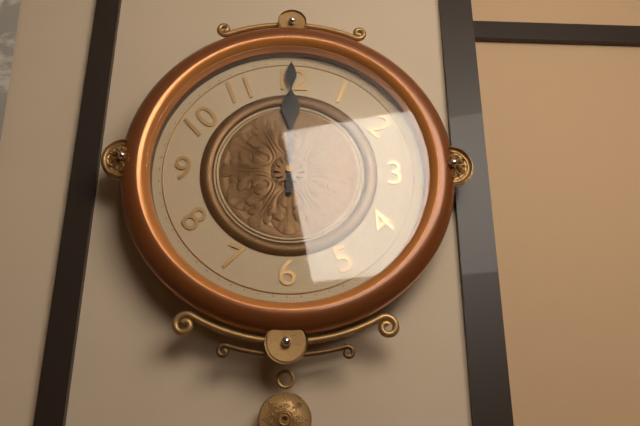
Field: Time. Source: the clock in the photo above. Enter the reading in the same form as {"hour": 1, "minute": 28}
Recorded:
{"hour": 12, "minute": 0}
